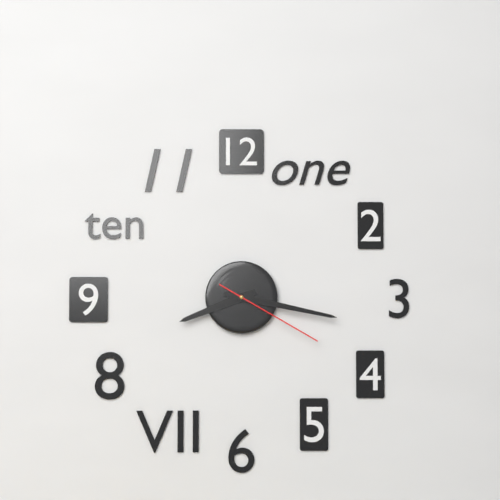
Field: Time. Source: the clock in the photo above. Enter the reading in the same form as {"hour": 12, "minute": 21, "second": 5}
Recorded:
{"hour": 8, "minute": 17, "second": 20}
